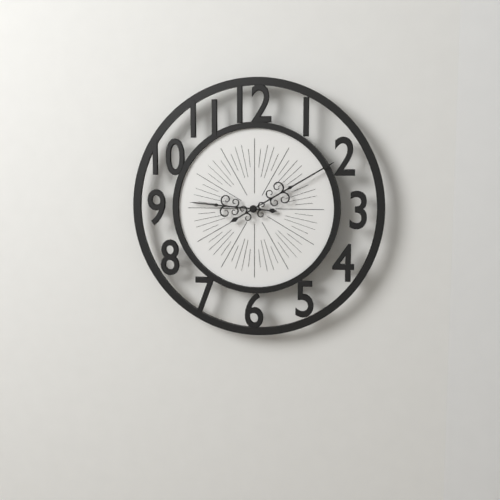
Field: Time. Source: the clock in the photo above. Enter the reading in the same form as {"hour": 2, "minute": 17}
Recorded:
{"hour": 9, "minute": 10}
